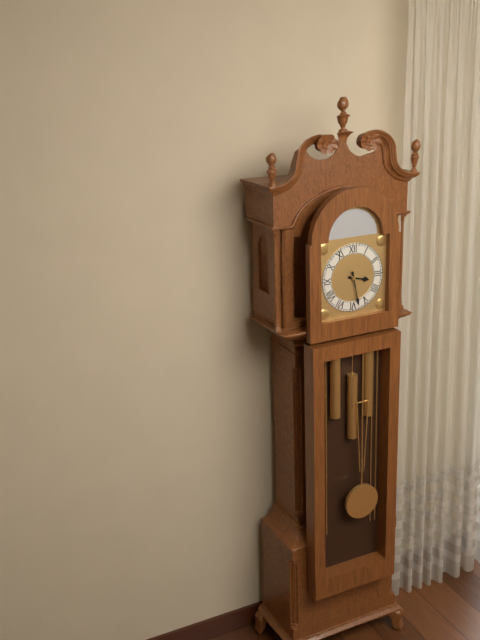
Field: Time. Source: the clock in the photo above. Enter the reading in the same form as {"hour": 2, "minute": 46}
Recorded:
{"hour": 3, "minute": 28}
